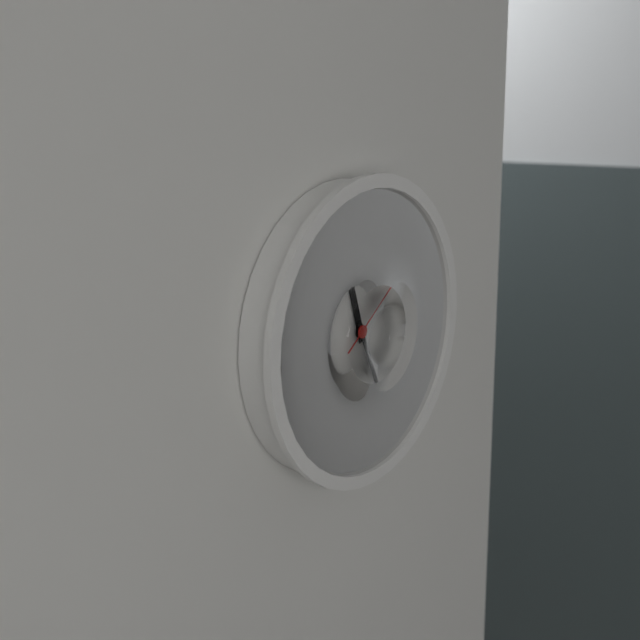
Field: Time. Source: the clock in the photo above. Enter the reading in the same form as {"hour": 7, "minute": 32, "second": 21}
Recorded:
{"hour": 11, "minute": 26, "second": 9}
